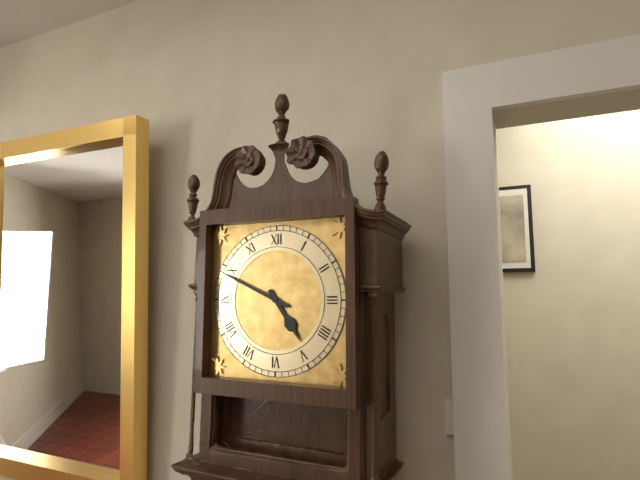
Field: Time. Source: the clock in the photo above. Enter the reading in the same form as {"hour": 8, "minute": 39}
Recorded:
{"hour": 4, "minute": 49}
